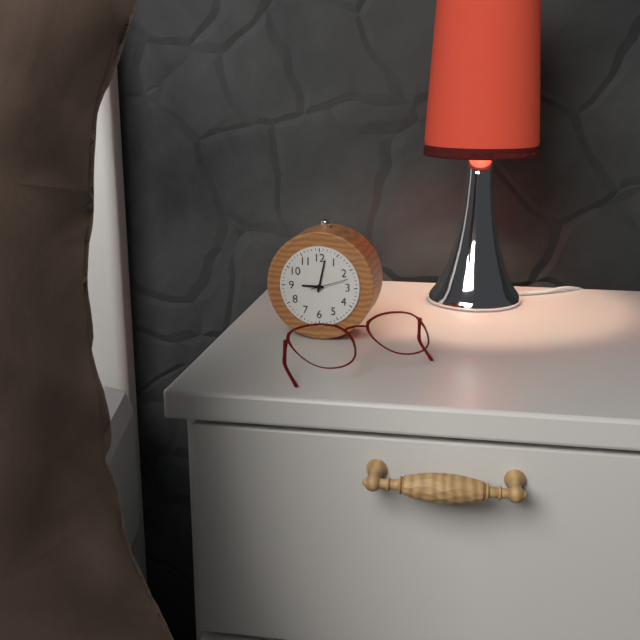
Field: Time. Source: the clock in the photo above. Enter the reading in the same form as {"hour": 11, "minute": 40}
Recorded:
{"hour": 9, "minute": 2}
